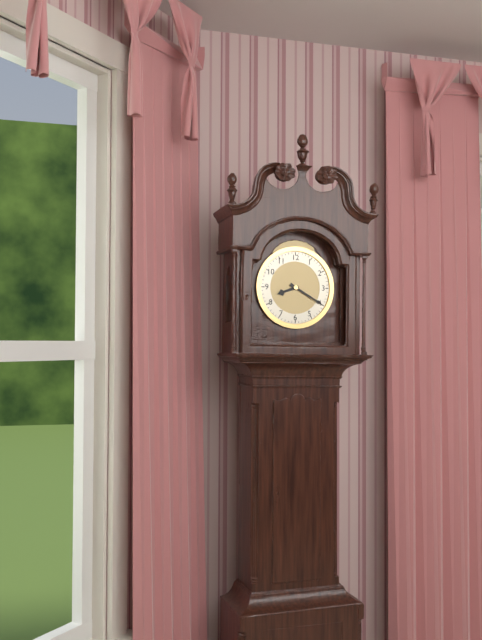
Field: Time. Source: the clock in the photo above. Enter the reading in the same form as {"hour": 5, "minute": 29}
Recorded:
{"hour": 8, "minute": 20}
